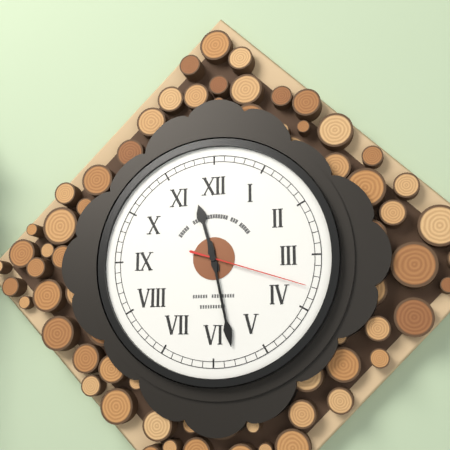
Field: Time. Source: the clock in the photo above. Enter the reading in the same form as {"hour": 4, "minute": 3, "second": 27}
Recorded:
{"hour": 11, "minute": 28, "second": 18}
